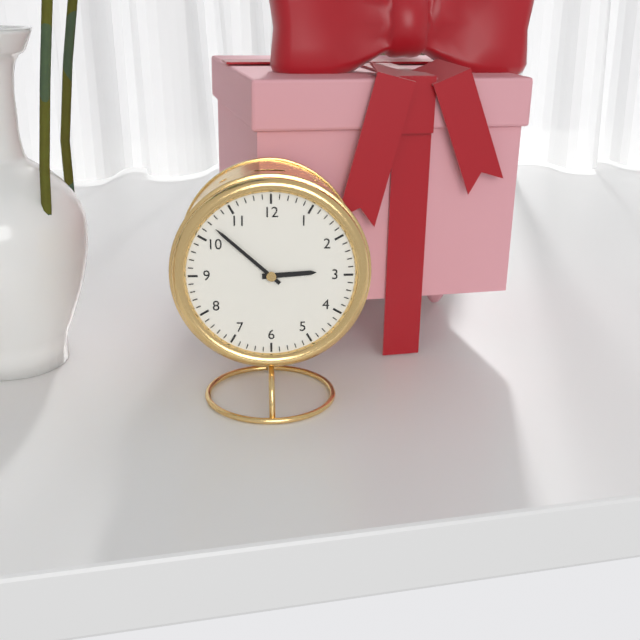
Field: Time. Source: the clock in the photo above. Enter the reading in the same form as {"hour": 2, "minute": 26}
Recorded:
{"hour": 2, "minute": 52}
